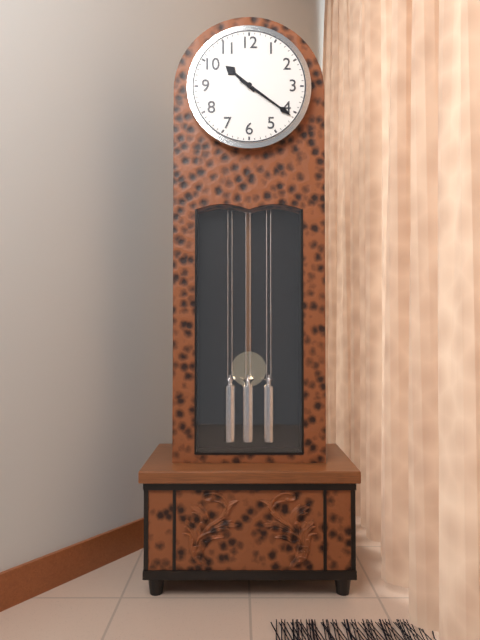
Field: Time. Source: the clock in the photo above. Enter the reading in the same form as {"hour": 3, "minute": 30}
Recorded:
{"hour": 10, "minute": 21}
